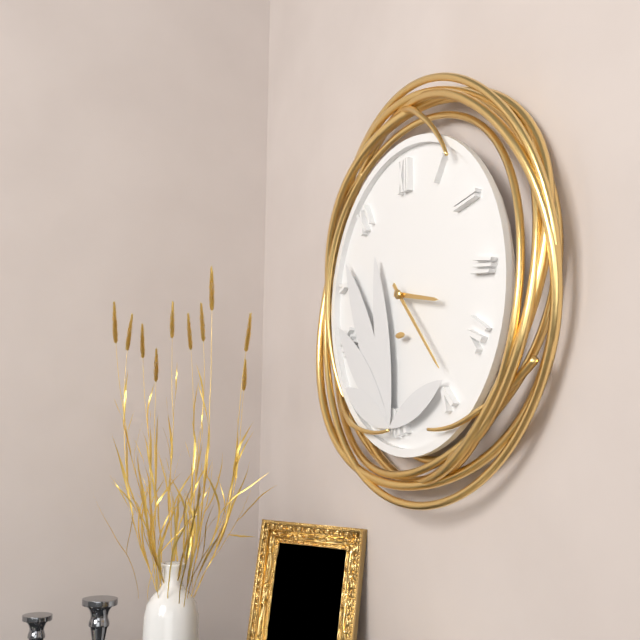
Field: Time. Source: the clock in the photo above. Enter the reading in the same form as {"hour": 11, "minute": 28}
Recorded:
{"hour": 3, "minute": 23}
